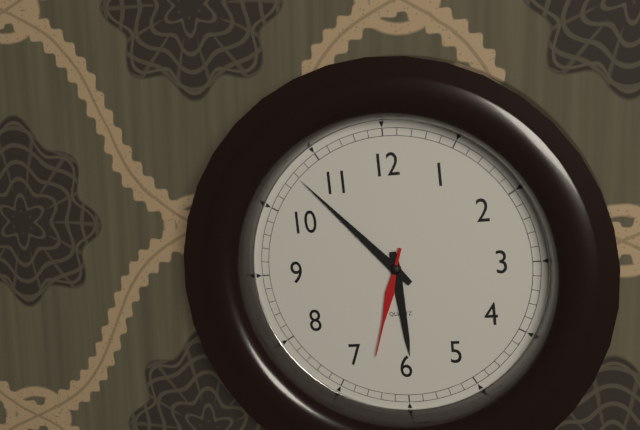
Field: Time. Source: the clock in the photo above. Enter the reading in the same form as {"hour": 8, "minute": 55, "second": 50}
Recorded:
{"hour": 5, "minute": 53, "second": 33}
